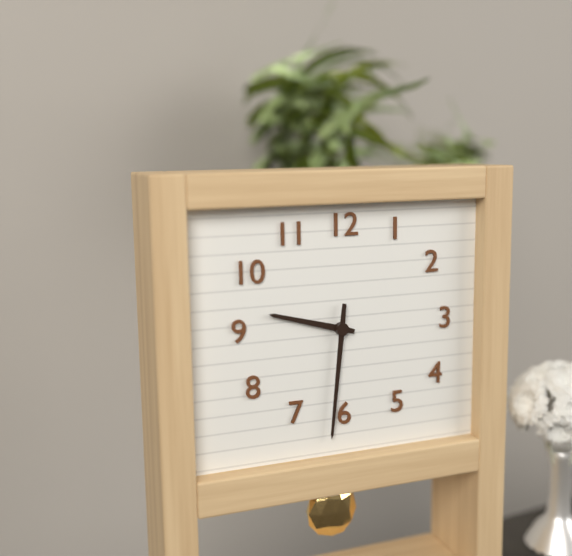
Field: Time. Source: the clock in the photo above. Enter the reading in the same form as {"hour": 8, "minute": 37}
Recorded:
{"hour": 9, "minute": 31}
